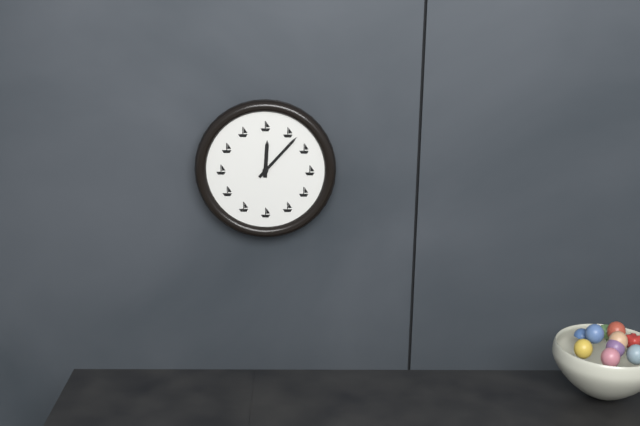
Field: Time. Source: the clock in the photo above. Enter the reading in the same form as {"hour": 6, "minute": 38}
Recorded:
{"hour": 12, "minute": 7}
